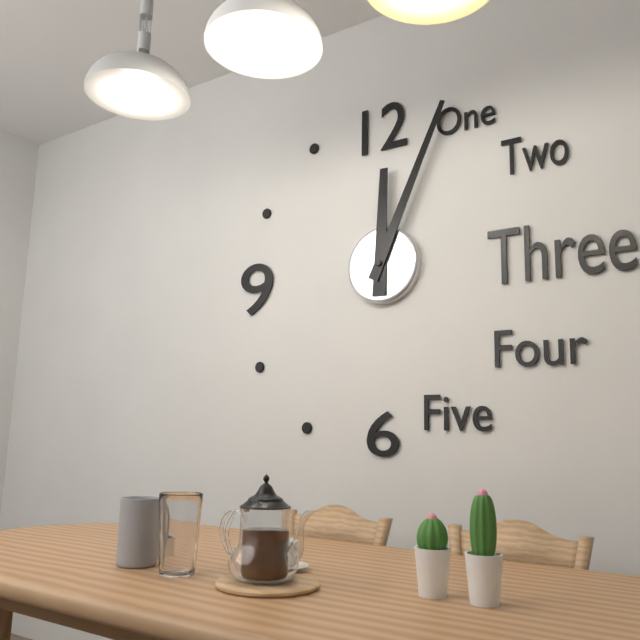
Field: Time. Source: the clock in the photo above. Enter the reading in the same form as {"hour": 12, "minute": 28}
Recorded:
{"hour": 12, "minute": 4}
